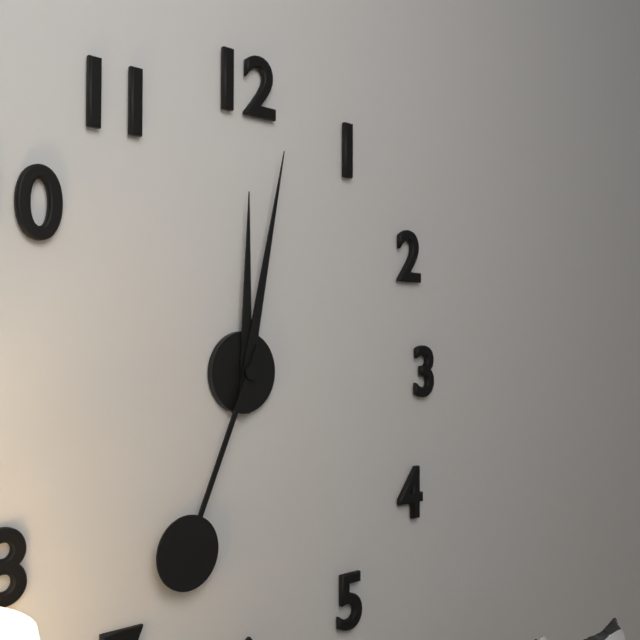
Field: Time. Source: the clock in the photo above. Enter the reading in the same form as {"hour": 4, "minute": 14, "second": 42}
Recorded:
{"hour": 12, "minute": 2, "second": 34}
